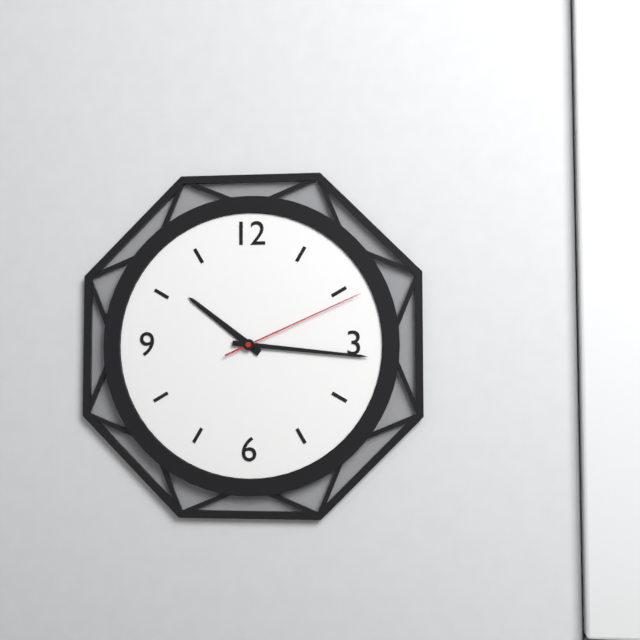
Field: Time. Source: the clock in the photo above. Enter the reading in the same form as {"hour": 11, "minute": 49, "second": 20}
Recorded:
{"hour": 10, "minute": 16, "second": 11}
